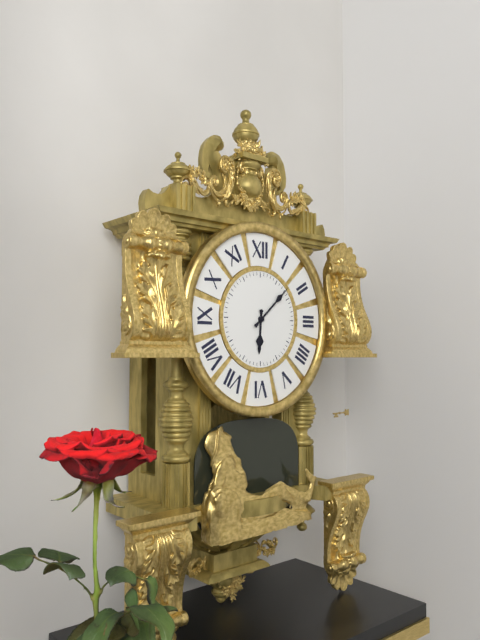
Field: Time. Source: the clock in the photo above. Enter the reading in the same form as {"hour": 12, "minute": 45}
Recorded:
{"hour": 6, "minute": 8}
